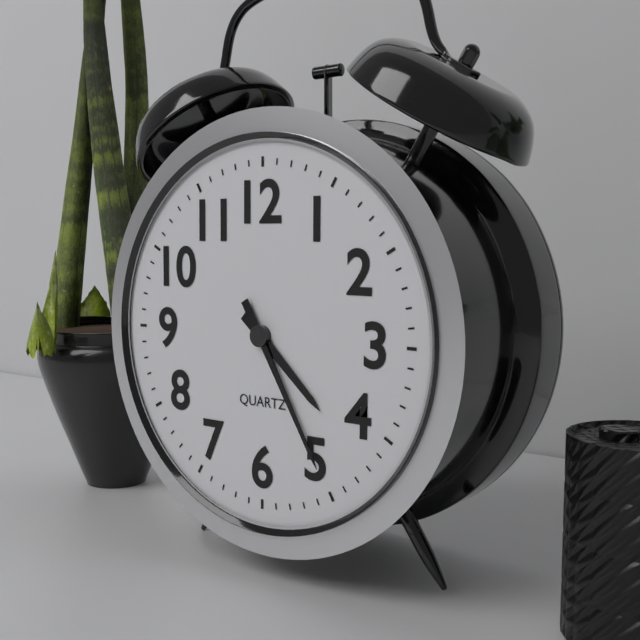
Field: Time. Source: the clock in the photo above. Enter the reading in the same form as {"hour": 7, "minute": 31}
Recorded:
{"hour": 4, "minute": 25}
